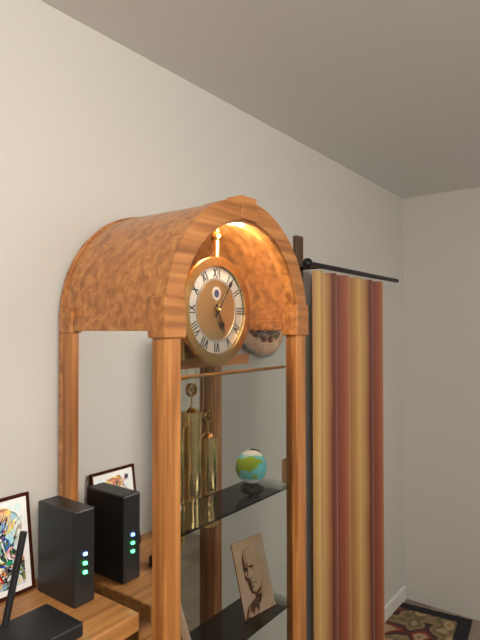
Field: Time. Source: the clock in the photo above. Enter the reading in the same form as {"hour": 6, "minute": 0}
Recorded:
{"hour": 5, "minute": 6}
